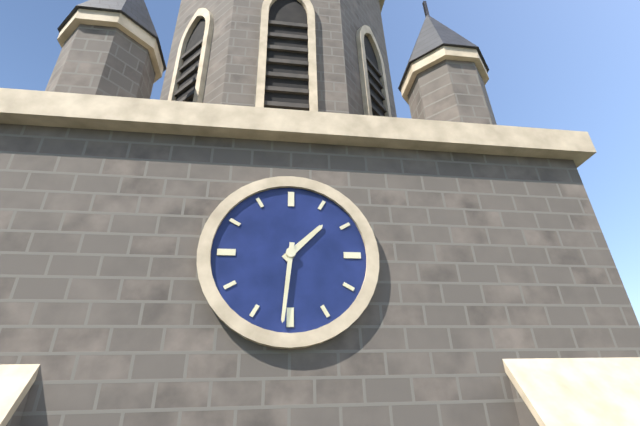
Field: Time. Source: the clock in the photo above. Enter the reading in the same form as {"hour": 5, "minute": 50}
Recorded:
{"hour": 1, "minute": 31}
